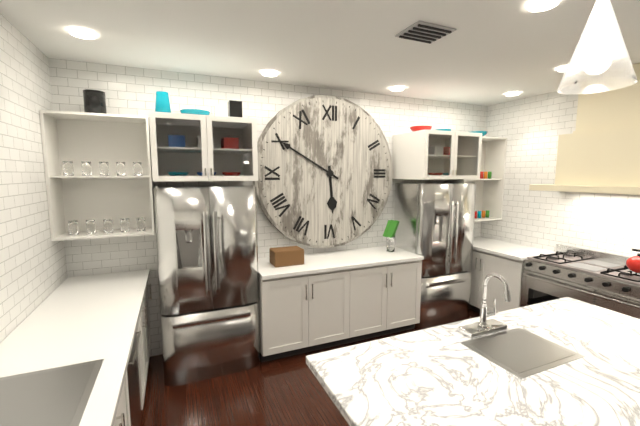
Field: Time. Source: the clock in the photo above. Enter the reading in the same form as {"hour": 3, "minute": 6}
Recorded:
{"hour": 5, "minute": 50}
